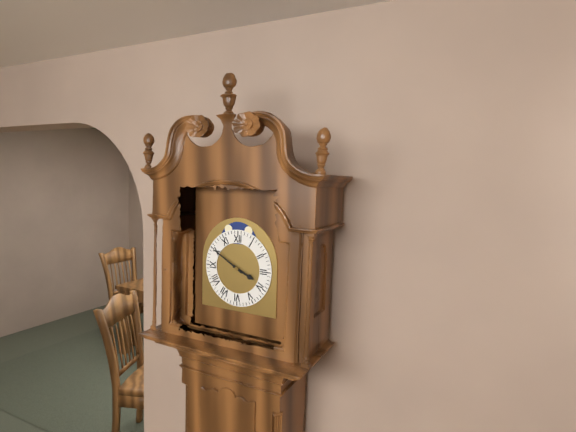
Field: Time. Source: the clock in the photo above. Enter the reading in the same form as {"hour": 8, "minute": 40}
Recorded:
{"hour": 3, "minute": 50}
